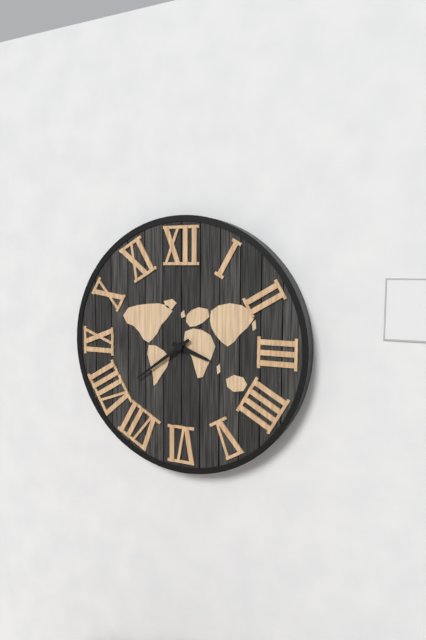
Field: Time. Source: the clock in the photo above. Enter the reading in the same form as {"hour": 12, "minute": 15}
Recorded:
{"hour": 3, "minute": 39}
